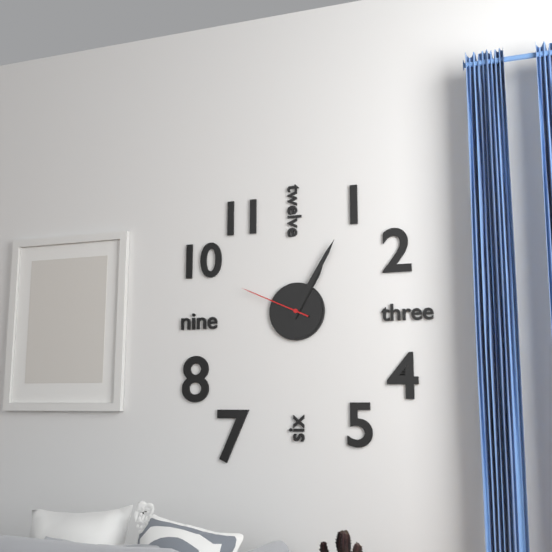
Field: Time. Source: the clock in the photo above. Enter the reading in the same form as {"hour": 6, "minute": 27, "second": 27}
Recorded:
{"hour": 1, "minute": 5, "second": 49}
